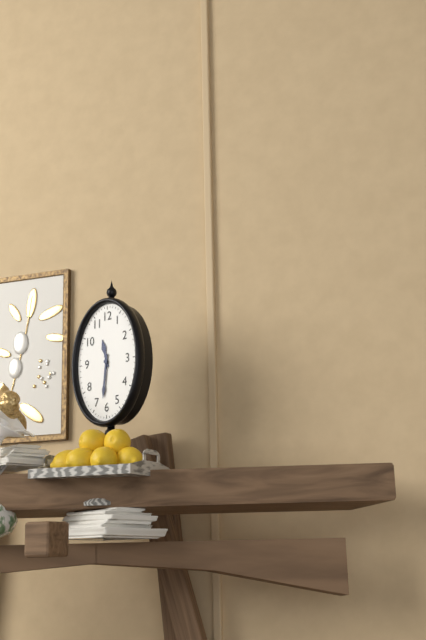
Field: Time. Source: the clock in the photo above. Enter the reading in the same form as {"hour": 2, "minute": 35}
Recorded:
{"hour": 11, "minute": 31}
